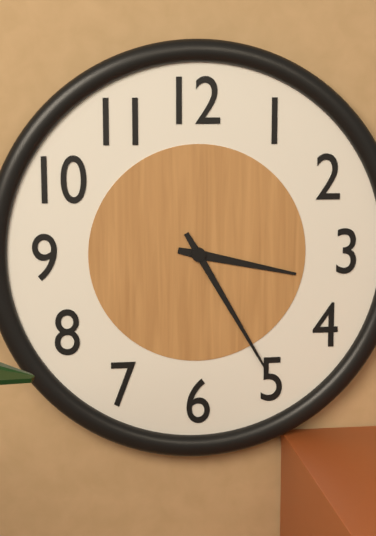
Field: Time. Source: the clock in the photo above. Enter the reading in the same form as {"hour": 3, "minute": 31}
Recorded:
{"hour": 3, "minute": 25}
